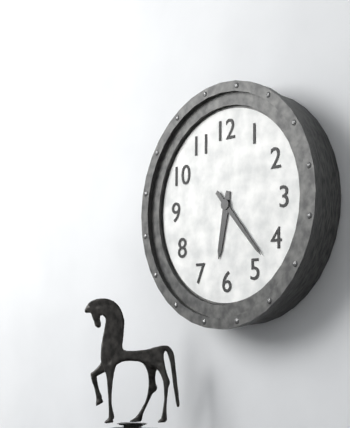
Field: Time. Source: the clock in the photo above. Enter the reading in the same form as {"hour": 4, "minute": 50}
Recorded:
{"hour": 6, "minute": 23}
